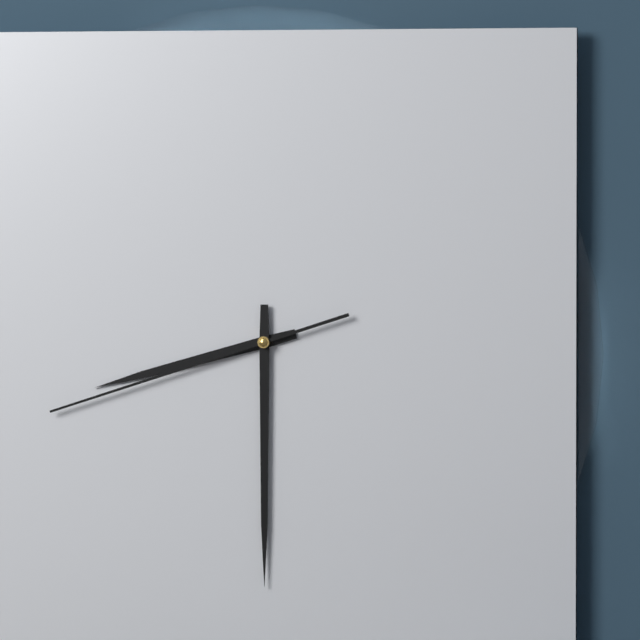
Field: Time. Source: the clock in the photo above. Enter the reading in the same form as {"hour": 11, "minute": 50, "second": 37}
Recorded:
{"hour": 8, "minute": 30, "second": 42}
